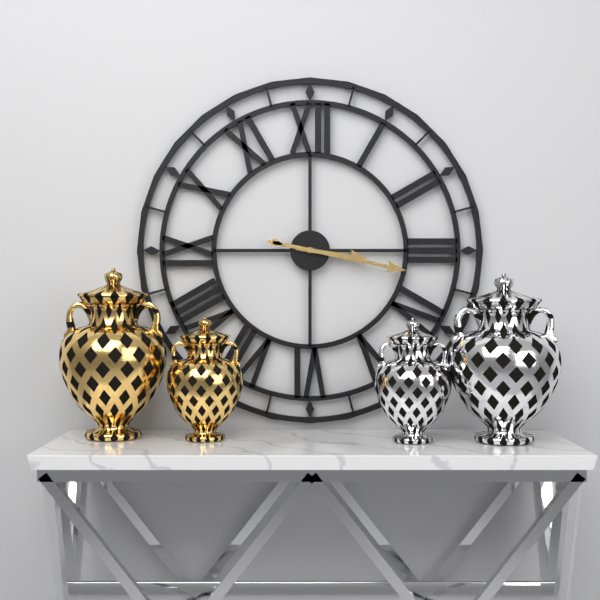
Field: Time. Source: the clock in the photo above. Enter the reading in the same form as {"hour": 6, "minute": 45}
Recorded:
{"hour": 3, "minute": 17}
